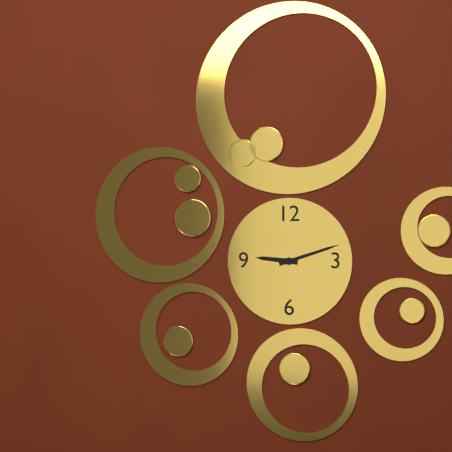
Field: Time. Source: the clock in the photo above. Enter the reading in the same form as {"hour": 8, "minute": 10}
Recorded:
{"hour": 9, "minute": 12}
